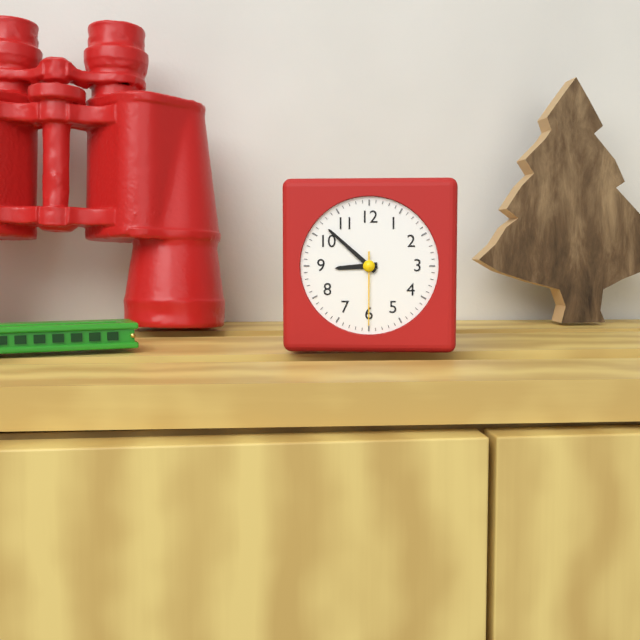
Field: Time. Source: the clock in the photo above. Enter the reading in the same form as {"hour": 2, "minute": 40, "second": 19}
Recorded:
{"hour": 8, "minute": 52, "second": 30}
